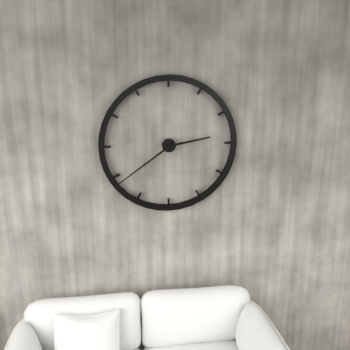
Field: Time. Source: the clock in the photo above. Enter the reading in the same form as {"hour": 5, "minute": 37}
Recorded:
{"hour": 2, "minute": 39}
